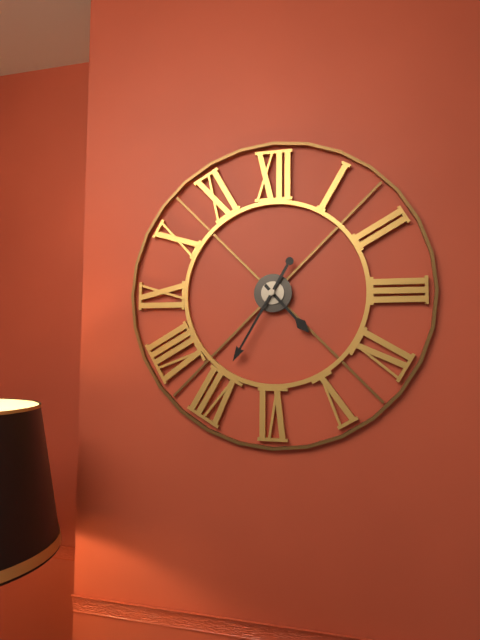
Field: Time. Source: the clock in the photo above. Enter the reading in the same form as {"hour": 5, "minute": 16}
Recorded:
{"hour": 4, "minute": 35}
